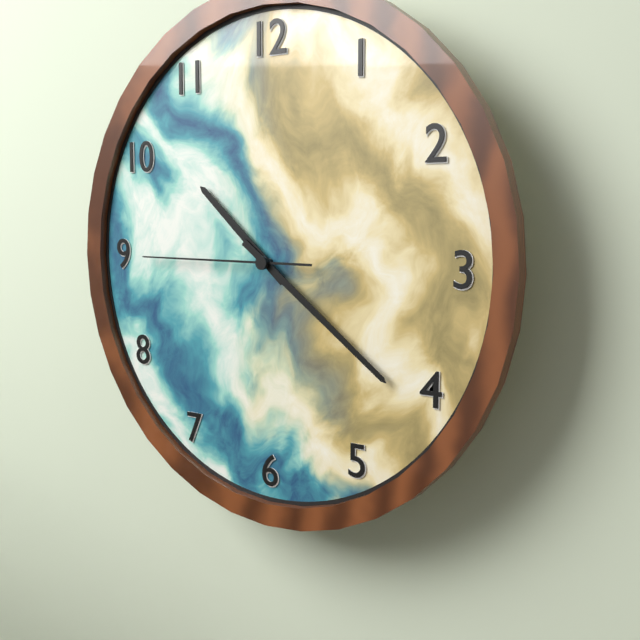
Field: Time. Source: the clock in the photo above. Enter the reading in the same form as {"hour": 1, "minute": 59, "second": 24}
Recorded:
{"hour": 10, "minute": 21, "second": 45}
